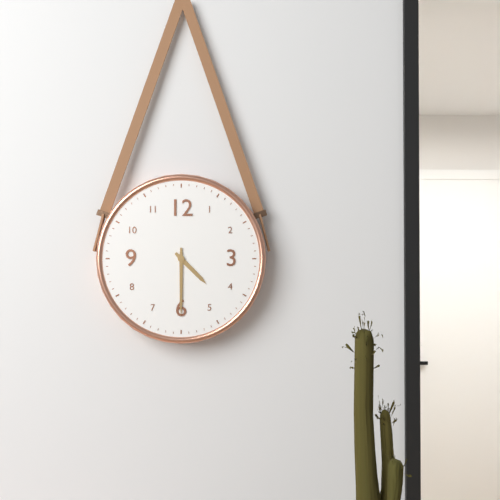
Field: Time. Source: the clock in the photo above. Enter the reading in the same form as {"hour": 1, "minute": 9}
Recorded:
{"hour": 4, "minute": 30}
